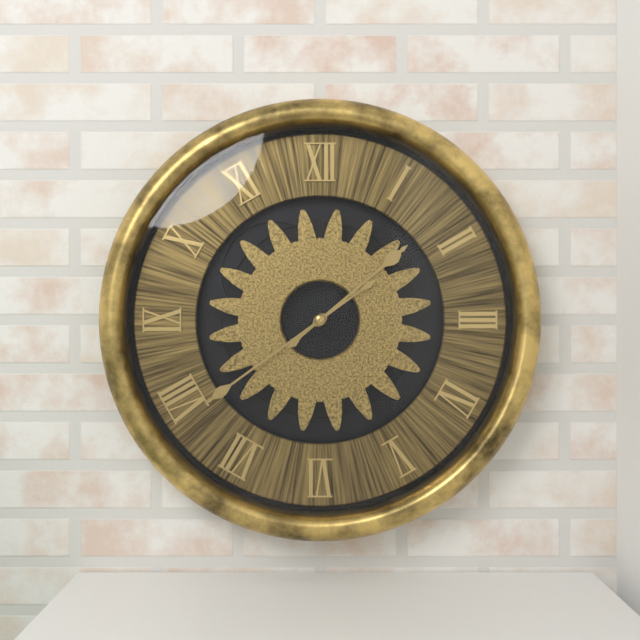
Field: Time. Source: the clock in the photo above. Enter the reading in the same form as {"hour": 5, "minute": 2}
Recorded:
{"hour": 1, "minute": 39}
